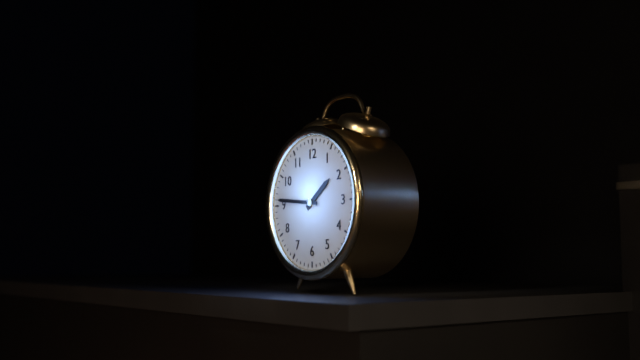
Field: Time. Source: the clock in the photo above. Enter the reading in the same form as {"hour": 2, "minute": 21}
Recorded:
{"hour": 1, "minute": 46}
